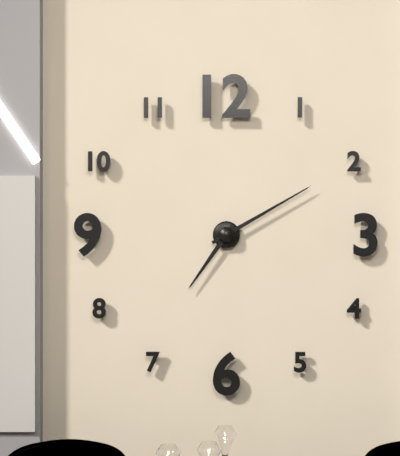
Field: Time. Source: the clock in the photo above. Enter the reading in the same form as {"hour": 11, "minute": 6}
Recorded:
{"hour": 7, "minute": 10}
